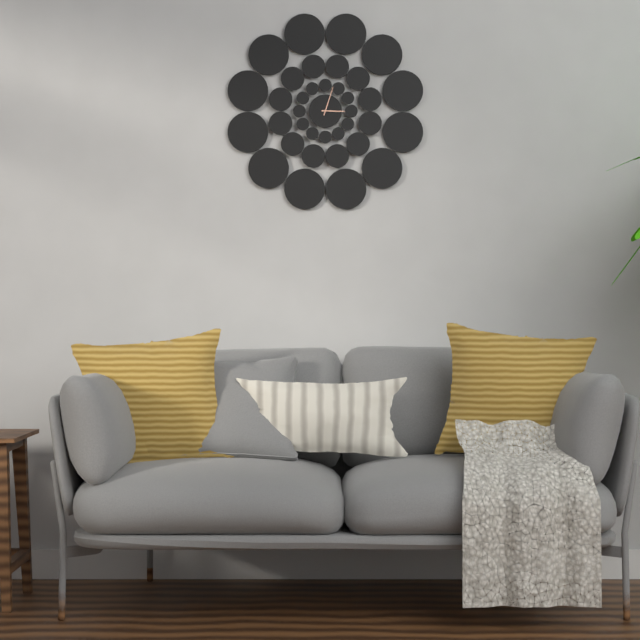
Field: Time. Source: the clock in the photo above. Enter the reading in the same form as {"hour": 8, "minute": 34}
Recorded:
{"hour": 3, "minute": 3}
